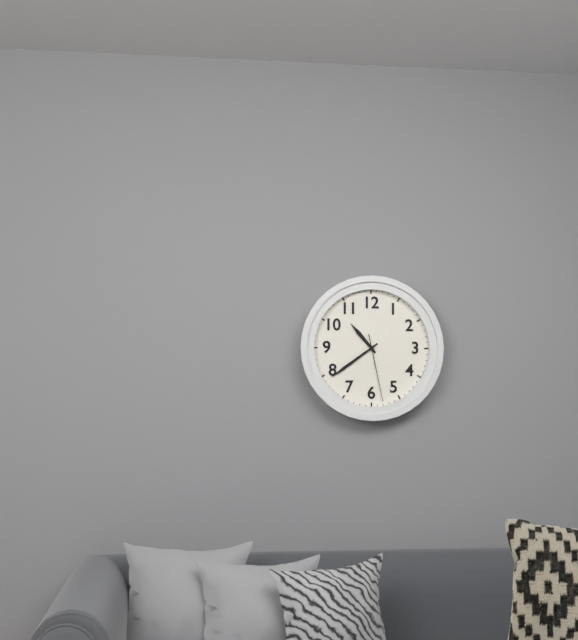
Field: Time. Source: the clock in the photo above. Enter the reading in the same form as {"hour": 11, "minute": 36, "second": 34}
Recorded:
{"hour": 10, "minute": 39, "second": 28}
